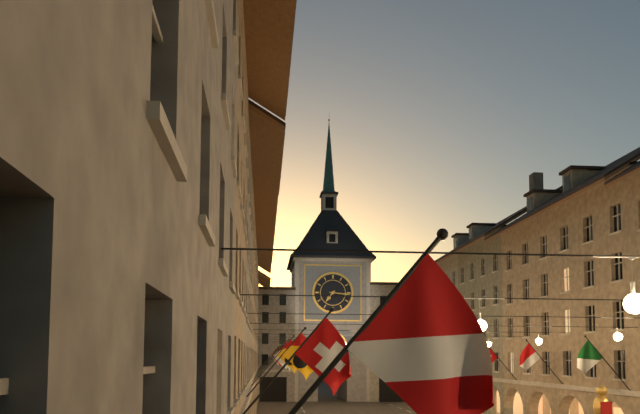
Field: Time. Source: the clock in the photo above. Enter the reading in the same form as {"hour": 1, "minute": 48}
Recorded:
{"hour": 7, "minute": 16}
